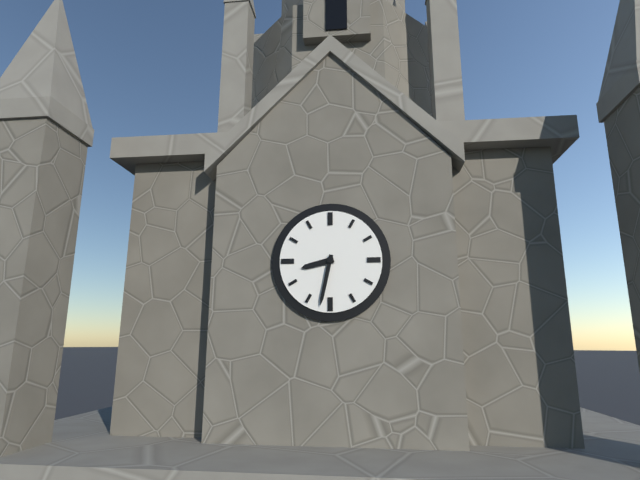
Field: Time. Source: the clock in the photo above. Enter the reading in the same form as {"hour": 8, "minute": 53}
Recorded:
{"hour": 8, "minute": 32}
